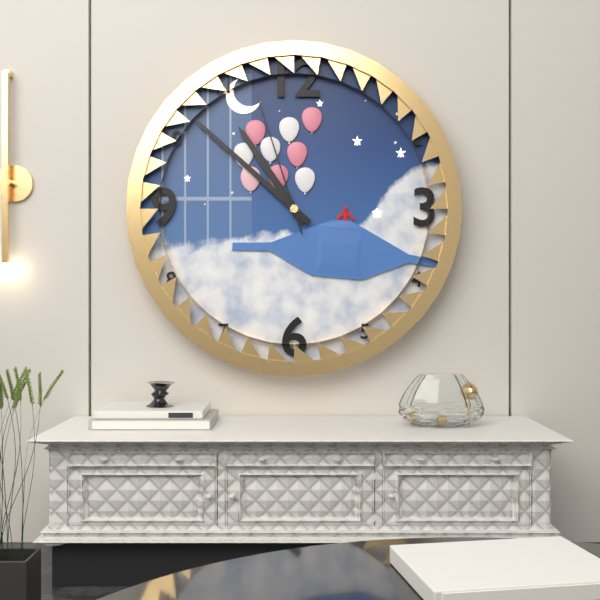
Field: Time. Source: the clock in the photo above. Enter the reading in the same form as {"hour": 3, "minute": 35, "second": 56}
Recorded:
{"hour": 10, "minute": 52, "second": 57}
